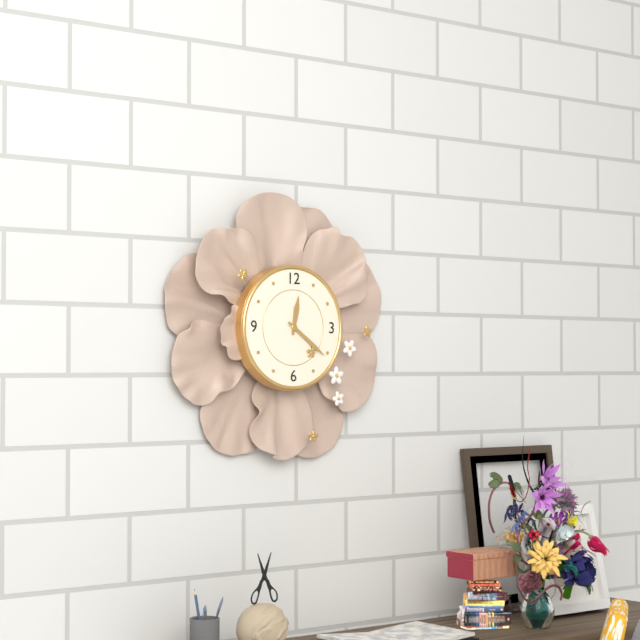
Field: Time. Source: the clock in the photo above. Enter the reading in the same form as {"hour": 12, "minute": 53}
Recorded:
{"hour": 12, "minute": 21}
